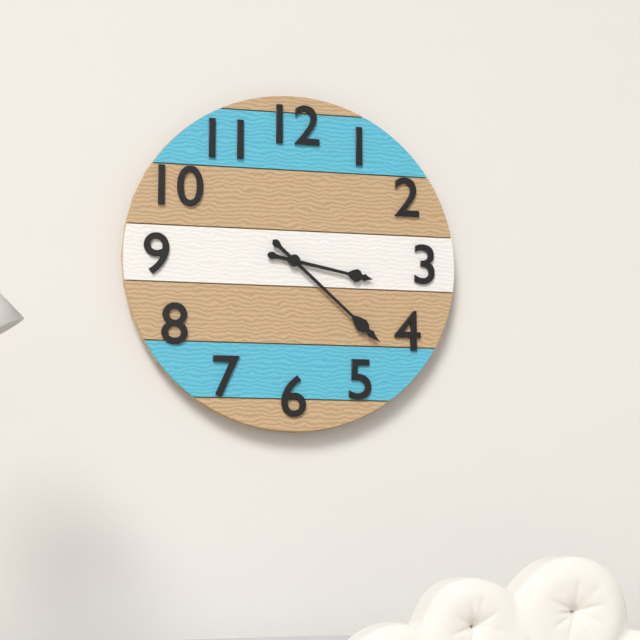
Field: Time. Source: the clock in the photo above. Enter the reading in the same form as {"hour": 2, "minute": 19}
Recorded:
{"hour": 3, "minute": 22}
